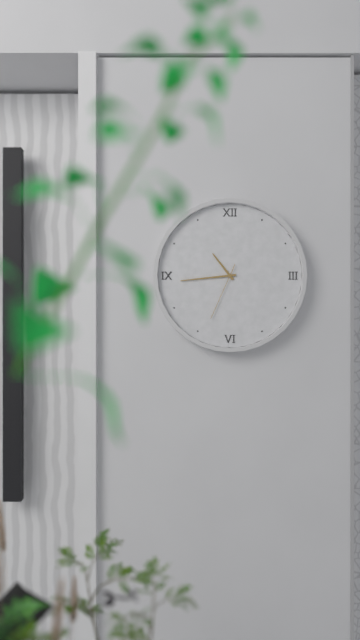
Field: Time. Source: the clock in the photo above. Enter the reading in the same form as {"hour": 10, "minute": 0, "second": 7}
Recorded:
{"hour": 10, "minute": 44, "second": 34}
